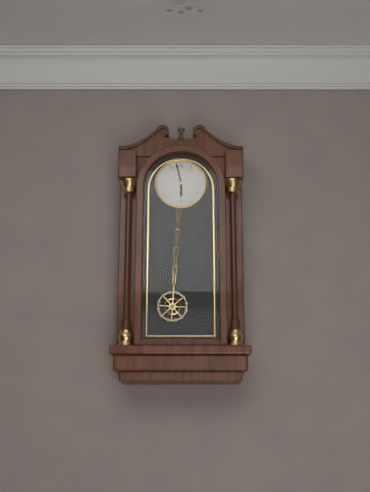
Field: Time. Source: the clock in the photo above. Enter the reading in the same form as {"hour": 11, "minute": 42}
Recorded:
{"hour": 5, "minute": 58}
